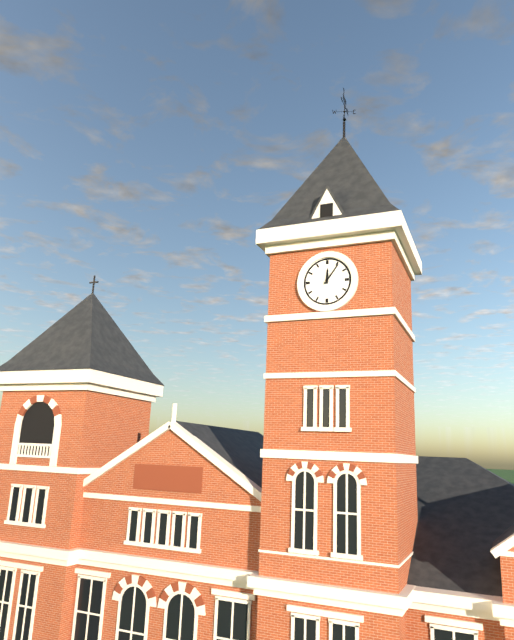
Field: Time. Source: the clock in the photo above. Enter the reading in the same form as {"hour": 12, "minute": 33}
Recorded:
{"hour": 12, "minute": 6}
